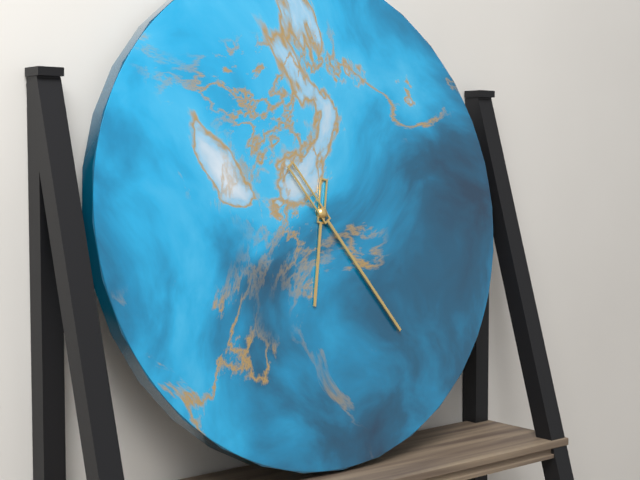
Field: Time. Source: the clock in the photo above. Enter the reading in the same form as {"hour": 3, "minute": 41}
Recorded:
{"hour": 6, "minute": 24}
